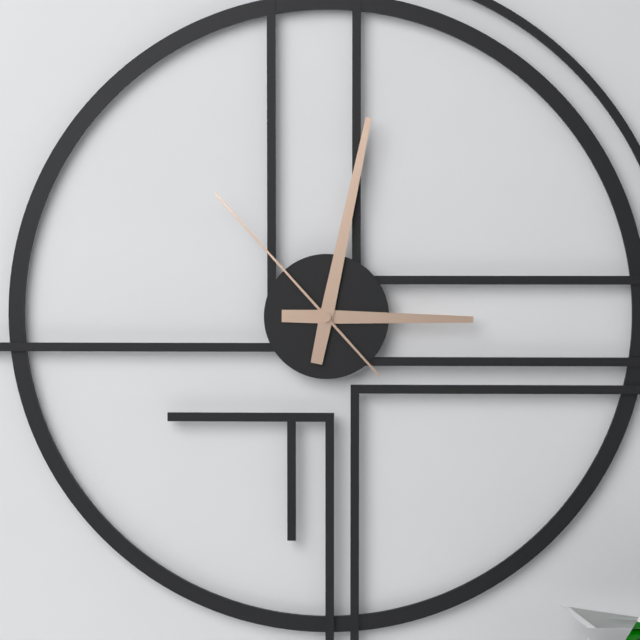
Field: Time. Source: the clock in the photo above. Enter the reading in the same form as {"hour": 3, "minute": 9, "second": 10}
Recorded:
{"hour": 3, "minute": 2, "second": 53}
